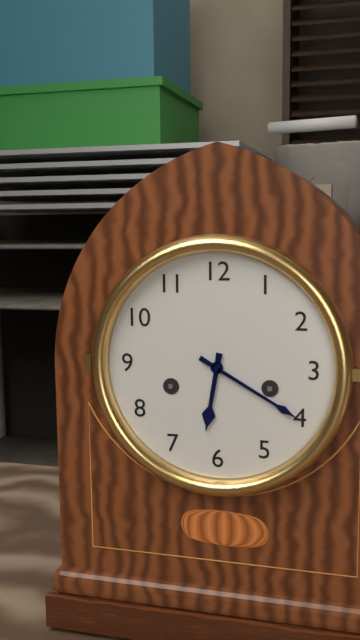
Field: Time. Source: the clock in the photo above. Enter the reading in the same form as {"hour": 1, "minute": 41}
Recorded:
{"hour": 6, "minute": 20}
